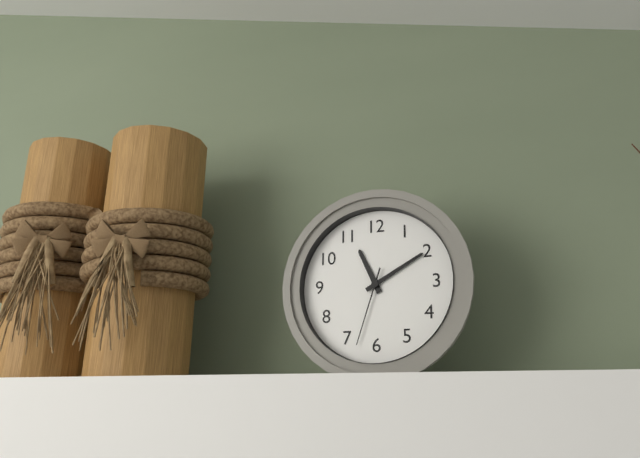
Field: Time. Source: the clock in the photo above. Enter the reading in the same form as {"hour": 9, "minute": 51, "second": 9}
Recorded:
{"hour": 11, "minute": 10, "second": 33}
